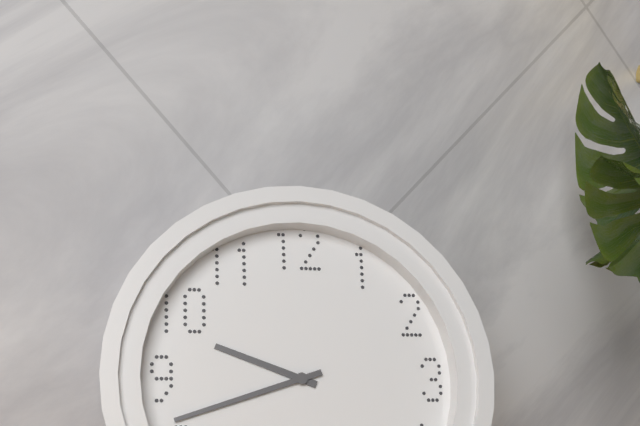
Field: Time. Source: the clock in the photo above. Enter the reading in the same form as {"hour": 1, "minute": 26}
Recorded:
{"hour": 9, "minute": 42}
